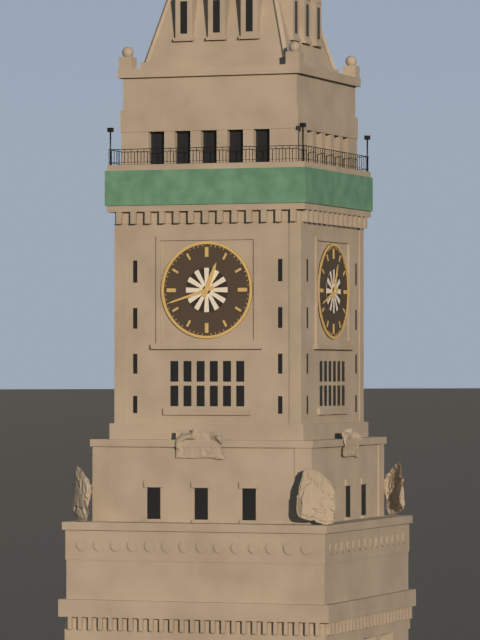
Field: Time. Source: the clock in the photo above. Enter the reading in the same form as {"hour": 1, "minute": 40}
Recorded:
{"hour": 12, "minute": 42}
